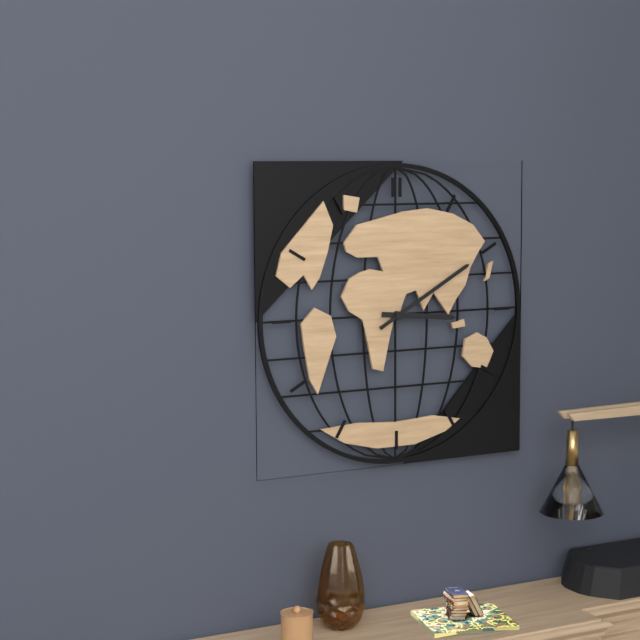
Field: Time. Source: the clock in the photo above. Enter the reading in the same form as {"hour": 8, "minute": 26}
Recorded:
{"hour": 3, "minute": 10}
